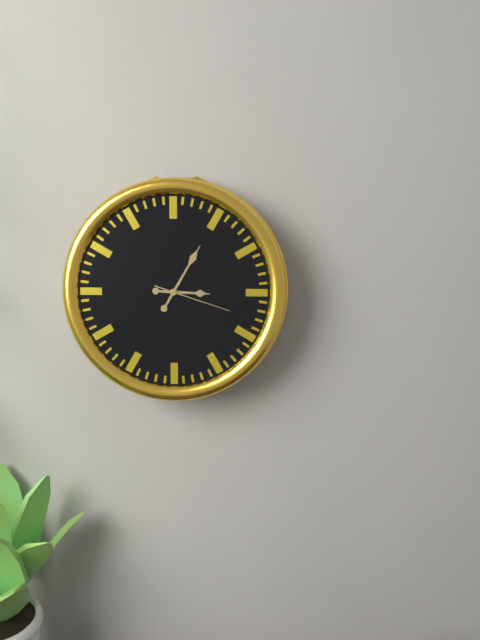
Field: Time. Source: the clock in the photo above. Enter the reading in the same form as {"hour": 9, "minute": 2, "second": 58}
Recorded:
{"hour": 3, "minute": 5, "second": 18}
